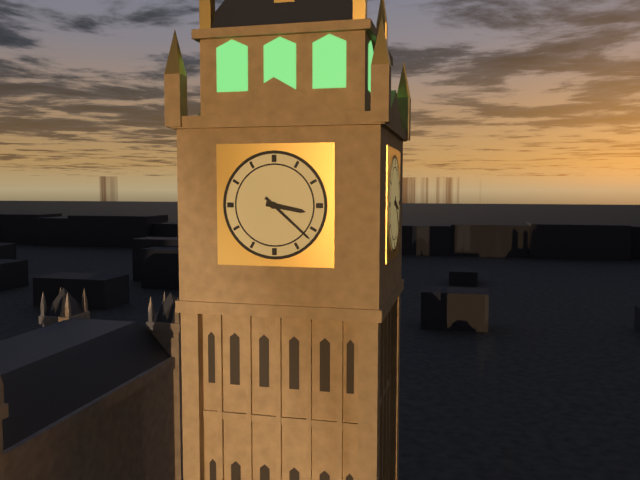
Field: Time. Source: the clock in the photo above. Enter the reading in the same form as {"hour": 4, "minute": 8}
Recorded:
{"hour": 3, "minute": 22}
